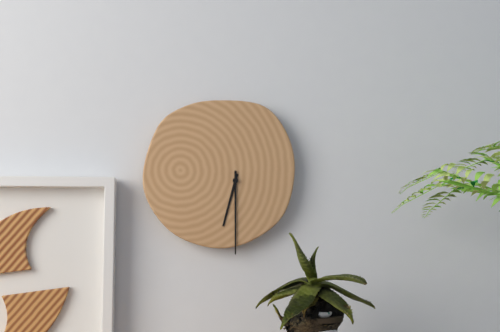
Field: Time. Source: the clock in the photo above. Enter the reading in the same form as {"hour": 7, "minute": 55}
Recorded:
{"hour": 6, "minute": 30}
